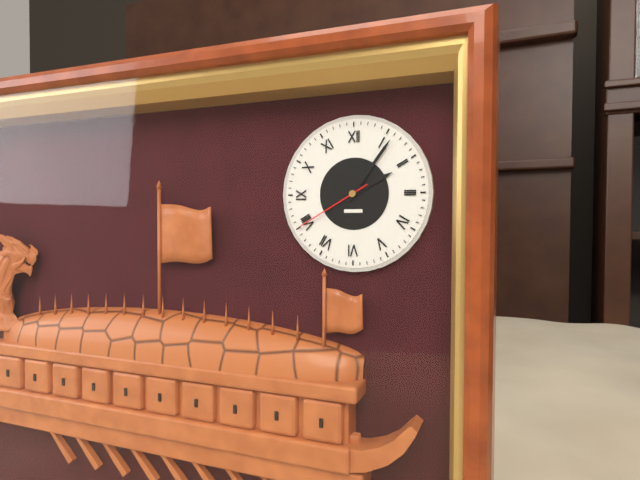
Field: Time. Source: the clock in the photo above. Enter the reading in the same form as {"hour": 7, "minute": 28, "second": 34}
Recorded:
{"hour": 2, "minute": 6, "second": 40}
